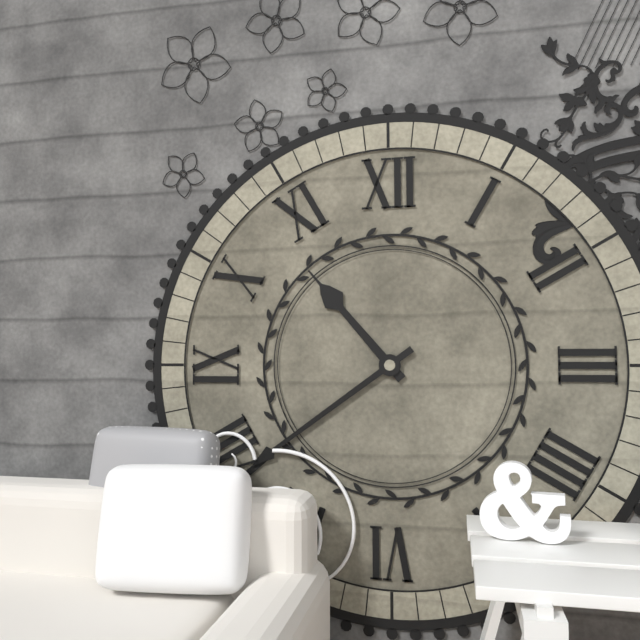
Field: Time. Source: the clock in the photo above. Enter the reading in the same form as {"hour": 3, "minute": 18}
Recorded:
{"hour": 10, "minute": 39}
